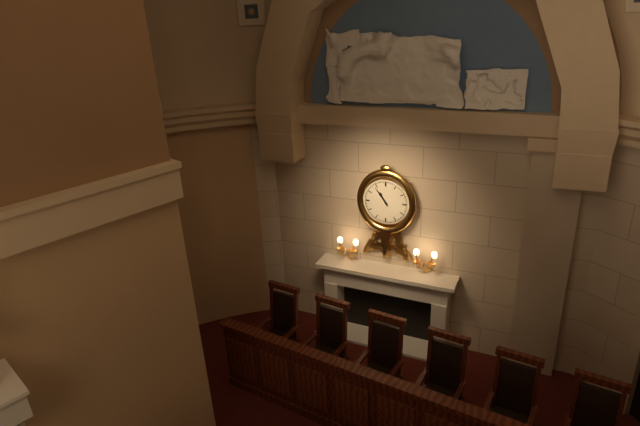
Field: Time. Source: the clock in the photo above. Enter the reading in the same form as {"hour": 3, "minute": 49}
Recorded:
{"hour": 10, "minute": 54}
